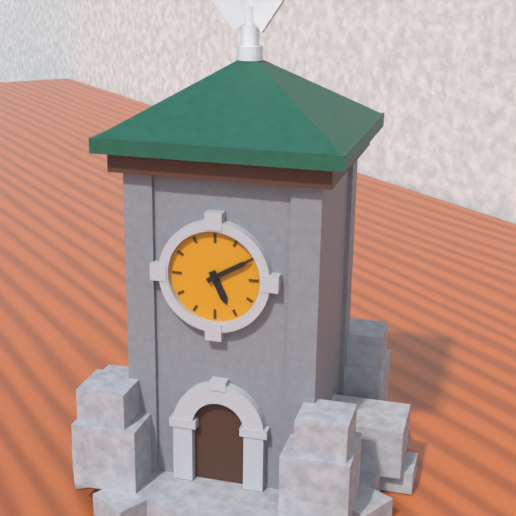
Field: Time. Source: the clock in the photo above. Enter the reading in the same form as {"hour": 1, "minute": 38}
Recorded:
{"hour": 5, "minute": 10}
